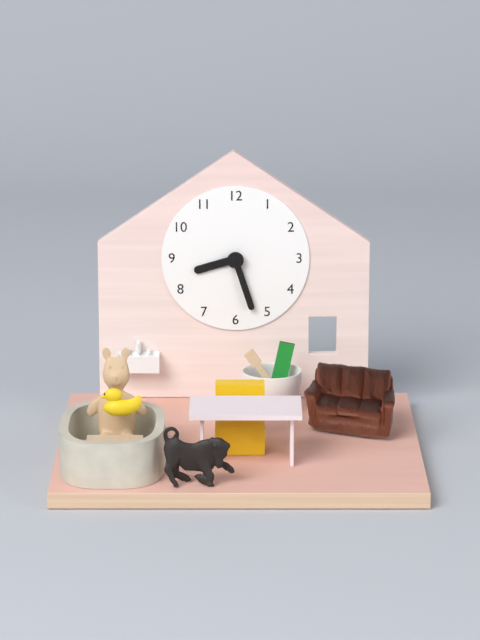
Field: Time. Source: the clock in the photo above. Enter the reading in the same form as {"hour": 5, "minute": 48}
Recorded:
{"hour": 8, "minute": 27}
